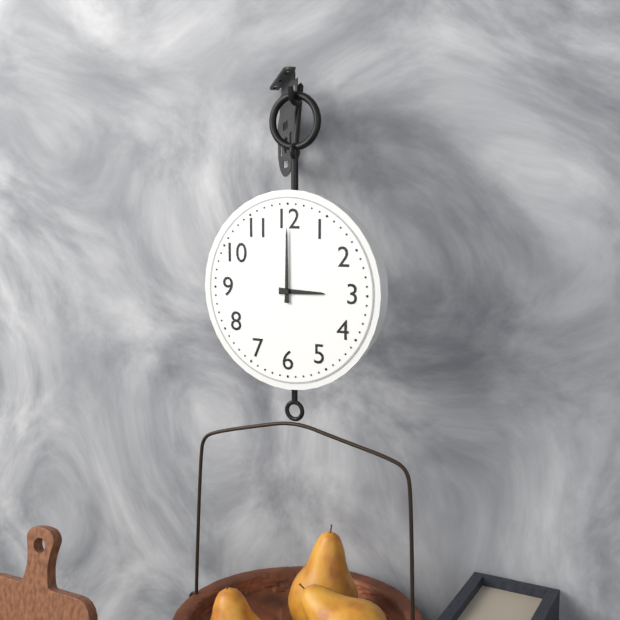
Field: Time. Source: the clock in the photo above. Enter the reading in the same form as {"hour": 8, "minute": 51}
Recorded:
{"hour": 3, "minute": 0}
